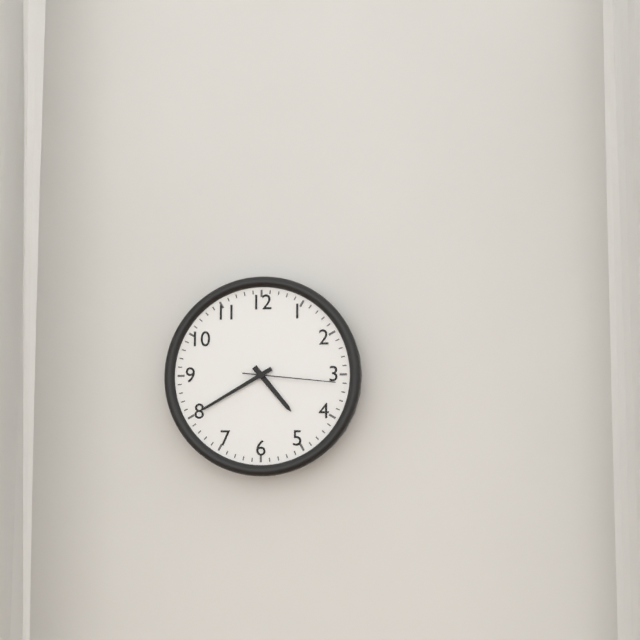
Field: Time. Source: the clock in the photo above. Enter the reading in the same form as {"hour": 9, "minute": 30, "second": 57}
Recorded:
{"hour": 4, "minute": 40, "second": 16}
